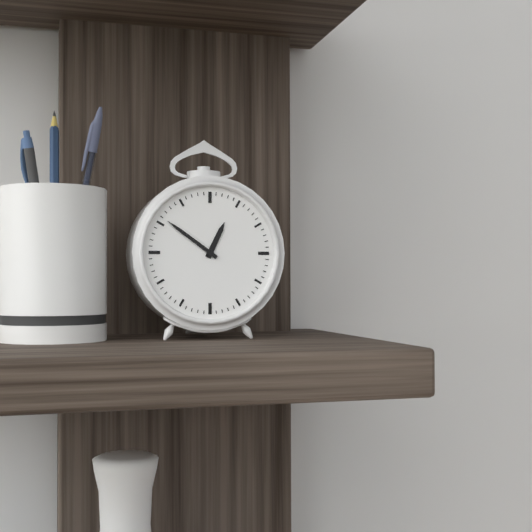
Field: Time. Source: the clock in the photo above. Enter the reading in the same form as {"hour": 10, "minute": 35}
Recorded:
{"hour": 12, "minute": 51}
